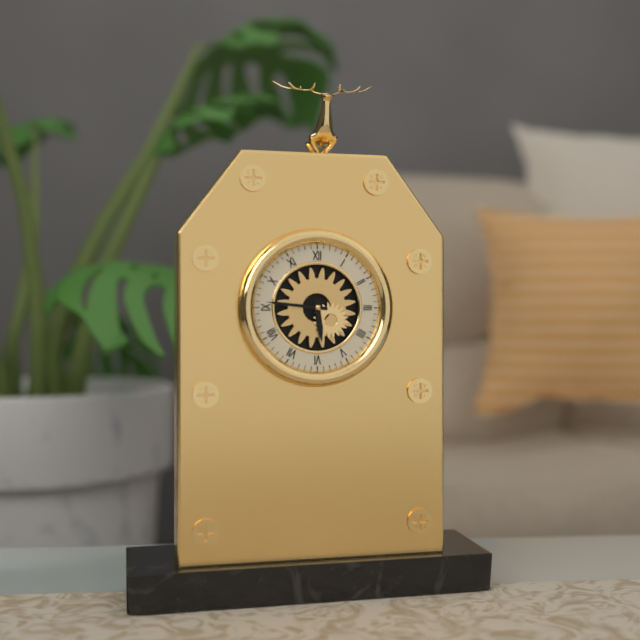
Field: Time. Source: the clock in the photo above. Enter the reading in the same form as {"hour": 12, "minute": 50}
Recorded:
{"hour": 5, "minute": 46}
